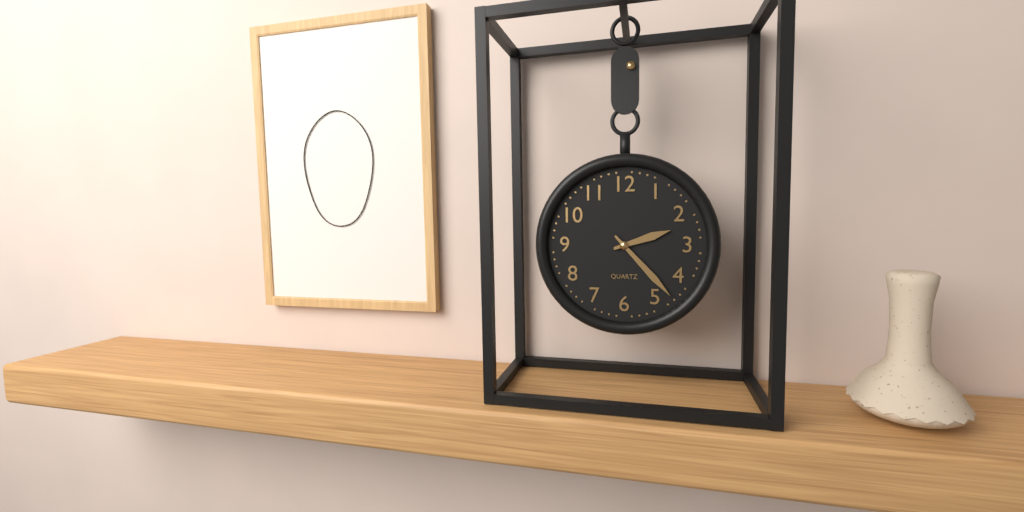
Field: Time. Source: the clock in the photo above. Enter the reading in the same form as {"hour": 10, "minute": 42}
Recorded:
{"hour": 2, "minute": 23}
